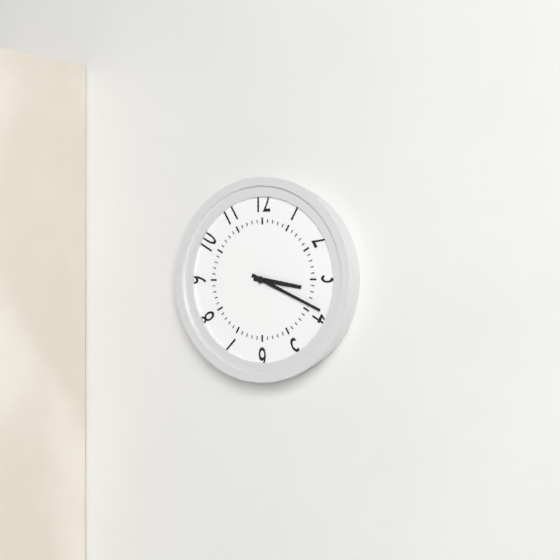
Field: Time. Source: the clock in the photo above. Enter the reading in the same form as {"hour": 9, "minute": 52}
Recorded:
{"hour": 3, "minute": 19}
